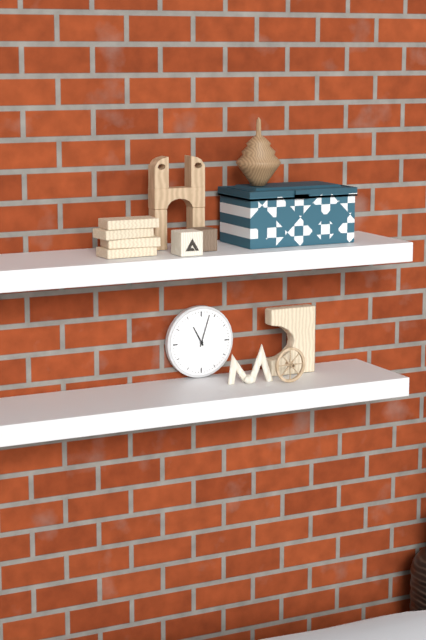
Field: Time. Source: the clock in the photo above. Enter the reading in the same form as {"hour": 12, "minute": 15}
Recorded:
{"hour": 11, "minute": 3}
